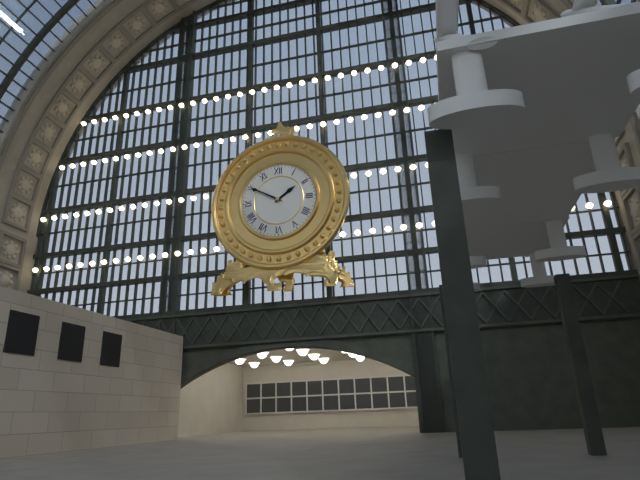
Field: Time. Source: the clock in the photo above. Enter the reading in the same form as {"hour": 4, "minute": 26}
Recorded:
{"hour": 1, "minute": 50}
